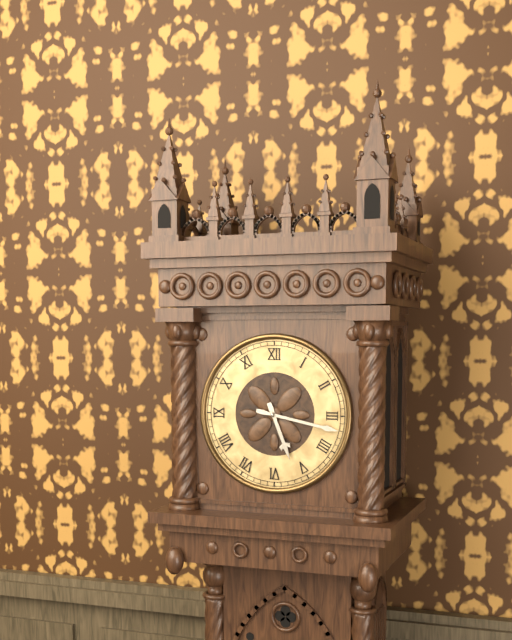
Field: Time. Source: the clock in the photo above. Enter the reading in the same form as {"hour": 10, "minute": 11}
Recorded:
{"hour": 5, "minute": 17}
